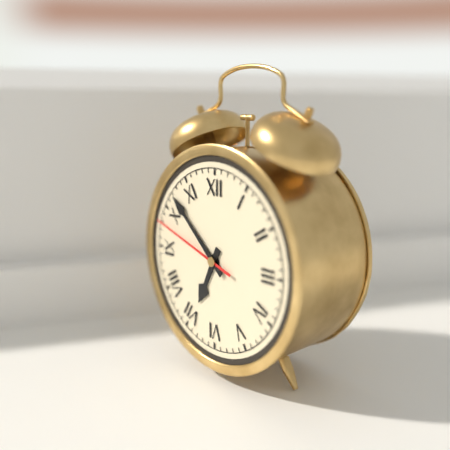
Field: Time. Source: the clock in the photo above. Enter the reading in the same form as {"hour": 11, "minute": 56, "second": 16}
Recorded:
{"hour": 6, "minute": 52, "second": 48}
